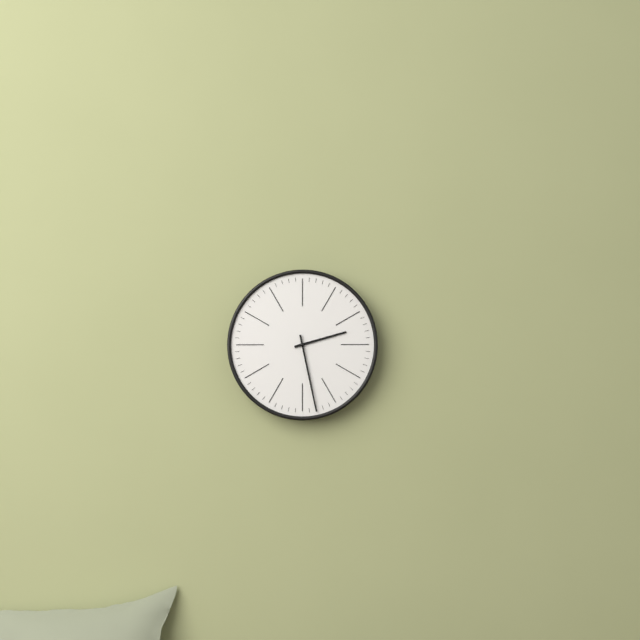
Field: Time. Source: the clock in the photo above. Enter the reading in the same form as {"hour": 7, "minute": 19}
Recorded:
{"hour": 2, "minute": 28}
